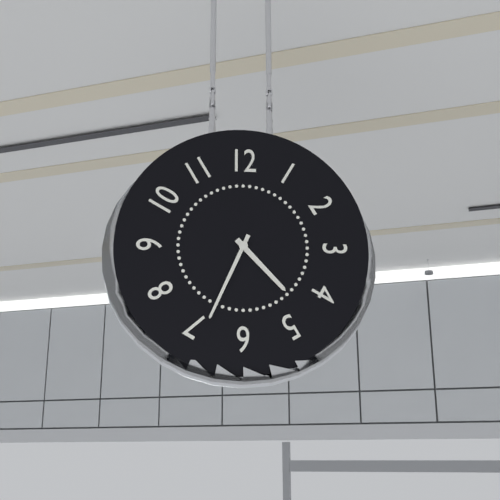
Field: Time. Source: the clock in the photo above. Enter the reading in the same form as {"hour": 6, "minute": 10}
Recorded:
{"hour": 4, "minute": 34}
